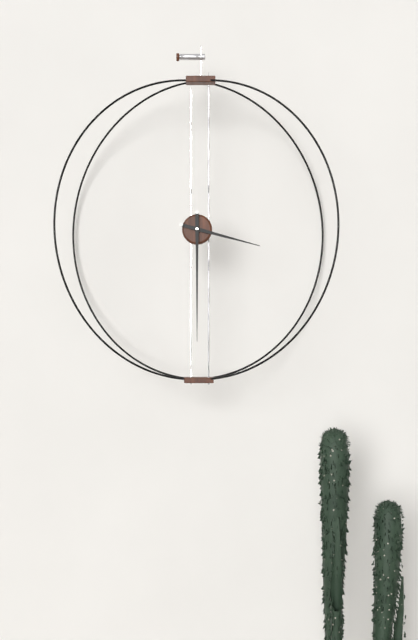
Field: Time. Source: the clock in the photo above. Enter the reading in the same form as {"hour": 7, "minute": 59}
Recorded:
{"hour": 3, "minute": 30}
